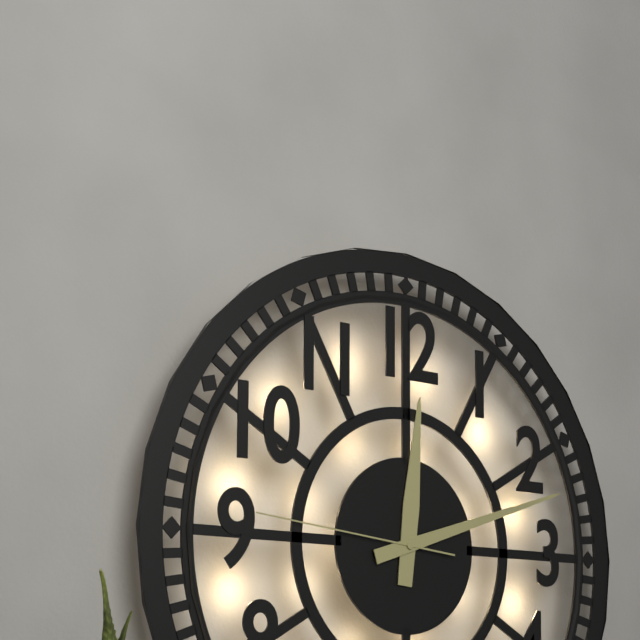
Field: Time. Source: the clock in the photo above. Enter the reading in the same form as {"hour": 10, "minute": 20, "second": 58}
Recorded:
{"hour": 12, "minute": 12, "second": 46}
